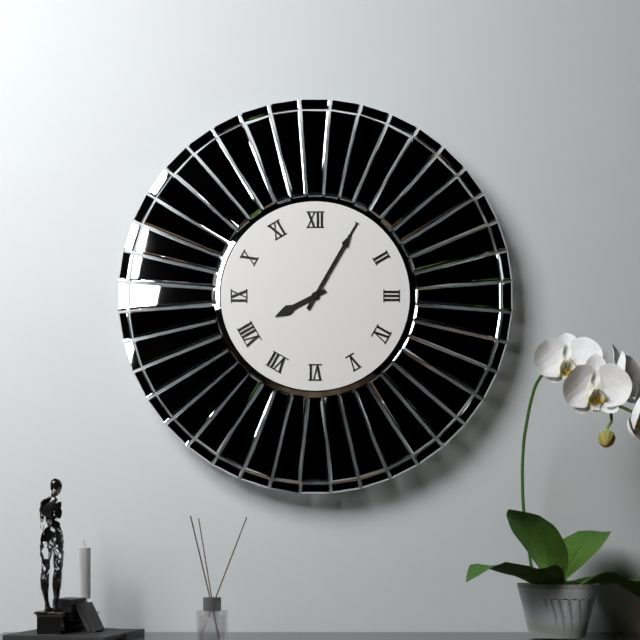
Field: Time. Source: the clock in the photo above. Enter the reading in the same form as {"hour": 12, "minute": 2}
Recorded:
{"hour": 8, "minute": 5}
